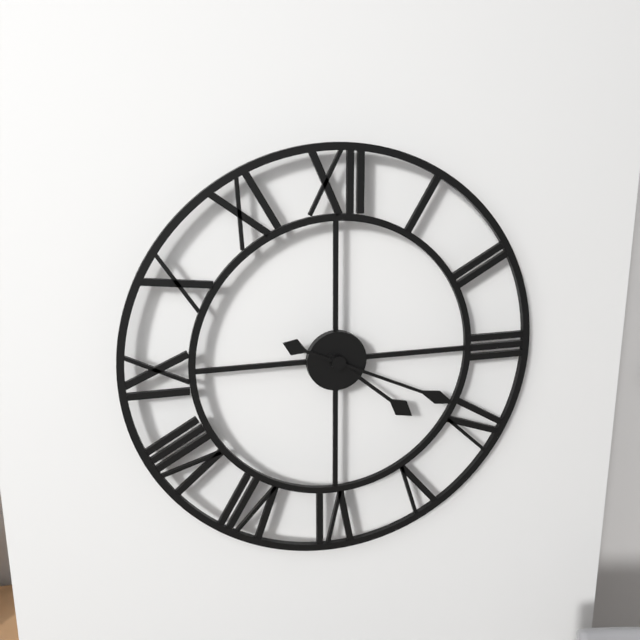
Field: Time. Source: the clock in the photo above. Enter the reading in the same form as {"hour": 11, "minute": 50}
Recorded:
{"hour": 4, "minute": 19}
